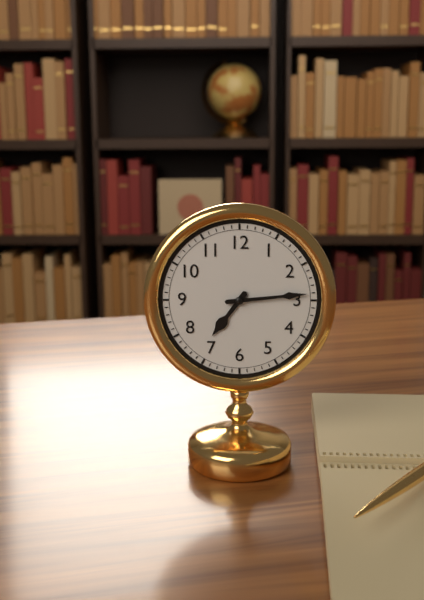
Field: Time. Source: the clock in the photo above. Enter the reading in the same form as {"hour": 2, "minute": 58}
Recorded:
{"hour": 7, "minute": 14}
